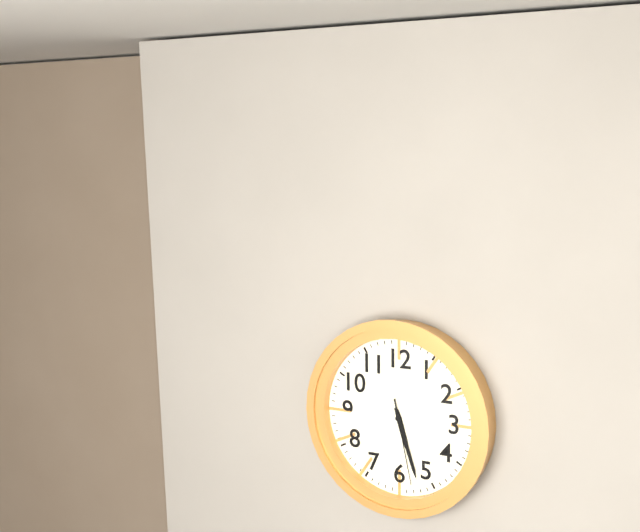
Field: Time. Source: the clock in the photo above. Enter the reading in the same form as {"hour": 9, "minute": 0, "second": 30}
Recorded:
{"hour": 5, "minute": 27, "second": 28}
